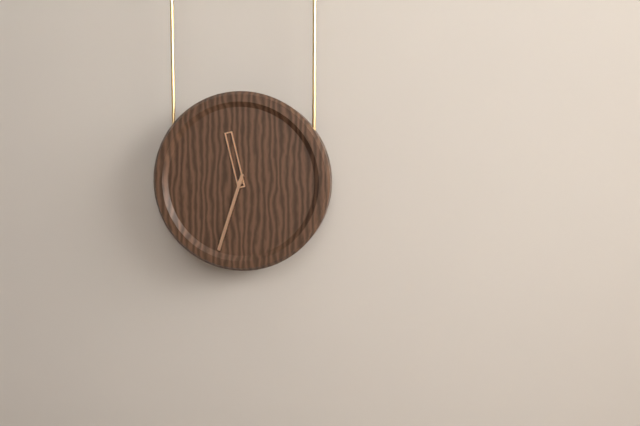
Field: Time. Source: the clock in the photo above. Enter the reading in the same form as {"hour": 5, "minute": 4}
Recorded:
{"hour": 11, "minute": 33}
